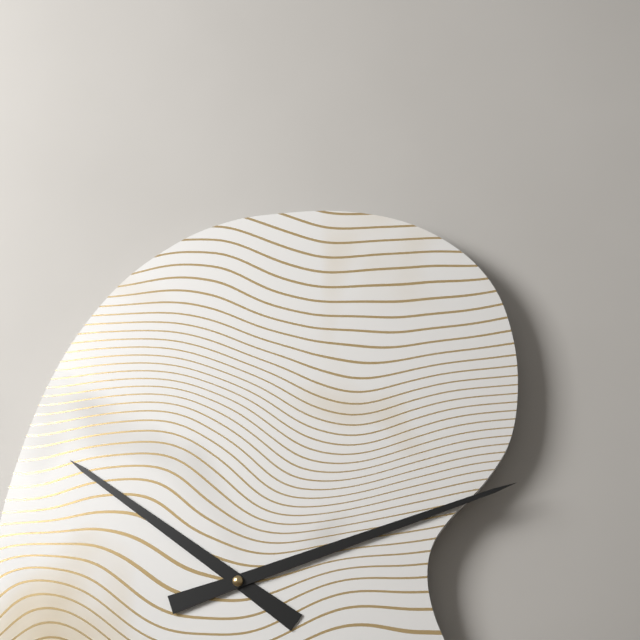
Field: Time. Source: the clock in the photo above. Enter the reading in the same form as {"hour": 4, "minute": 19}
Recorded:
{"hour": 10, "minute": 12}
